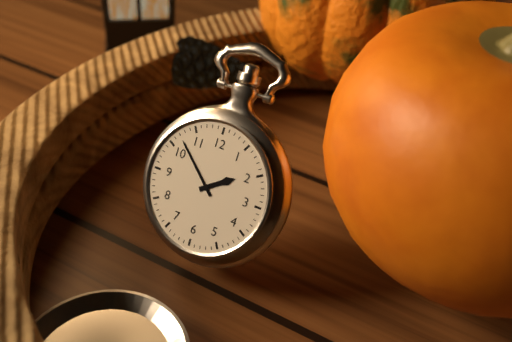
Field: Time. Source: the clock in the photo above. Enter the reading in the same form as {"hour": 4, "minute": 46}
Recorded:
{"hour": 1, "minute": 52}
